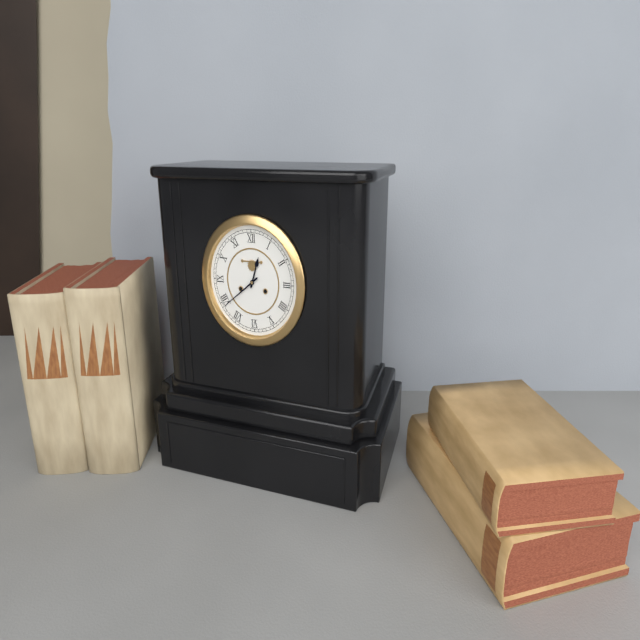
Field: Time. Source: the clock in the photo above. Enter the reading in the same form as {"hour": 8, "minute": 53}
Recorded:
{"hour": 12, "minute": 39}
